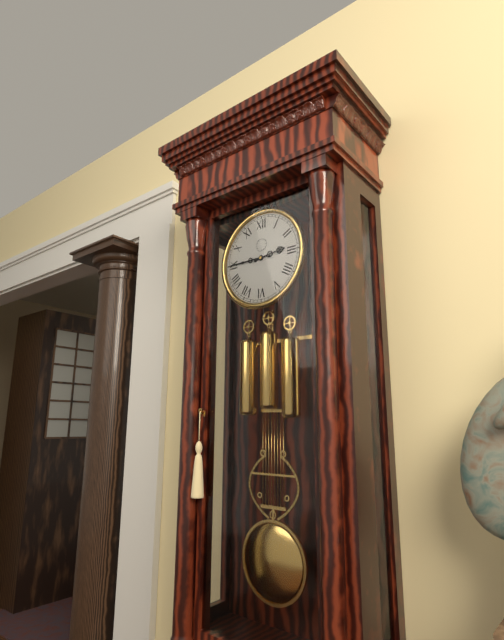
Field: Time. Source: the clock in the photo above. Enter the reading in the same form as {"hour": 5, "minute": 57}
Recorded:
{"hour": 2, "minute": 45}
